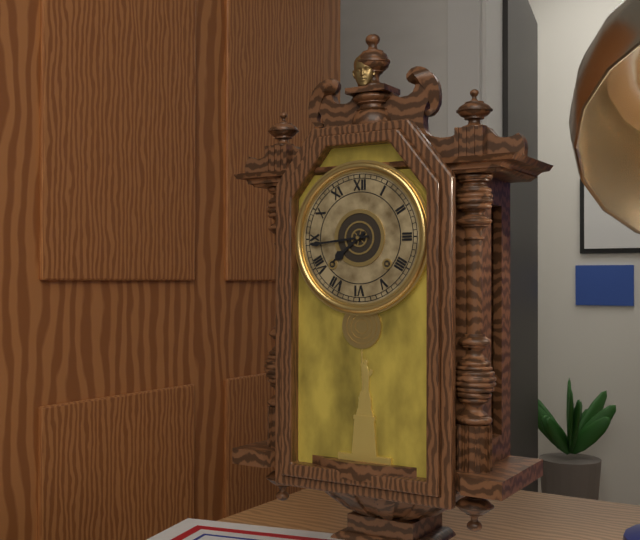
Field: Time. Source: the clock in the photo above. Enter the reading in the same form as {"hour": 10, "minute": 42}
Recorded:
{"hour": 7, "minute": 44}
